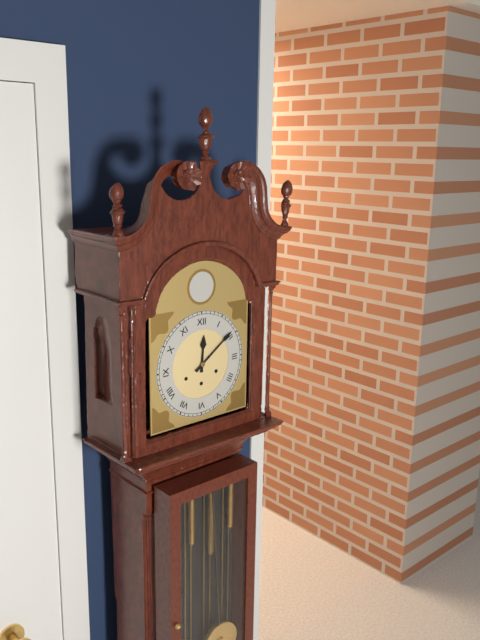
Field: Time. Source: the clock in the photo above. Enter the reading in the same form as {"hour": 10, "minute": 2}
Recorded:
{"hour": 12, "minute": 9}
